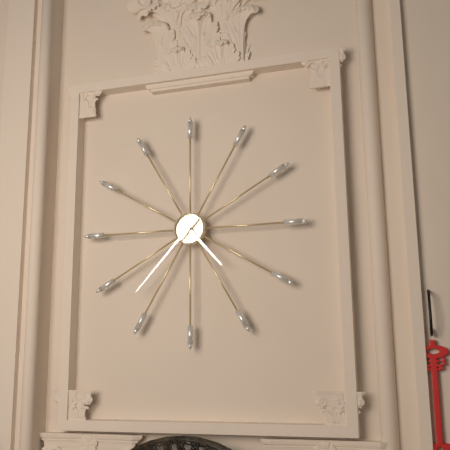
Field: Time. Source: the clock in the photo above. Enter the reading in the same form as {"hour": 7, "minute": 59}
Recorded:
{"hour": 4, "minute": 37}
